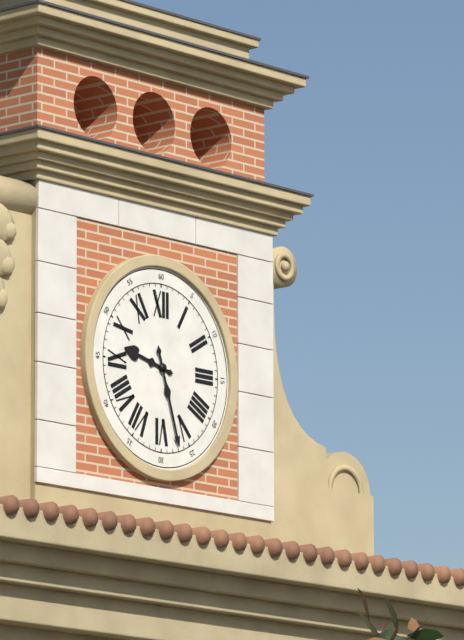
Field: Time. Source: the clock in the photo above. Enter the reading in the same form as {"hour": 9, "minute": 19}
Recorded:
{"hour": 9, "minute": 27}
